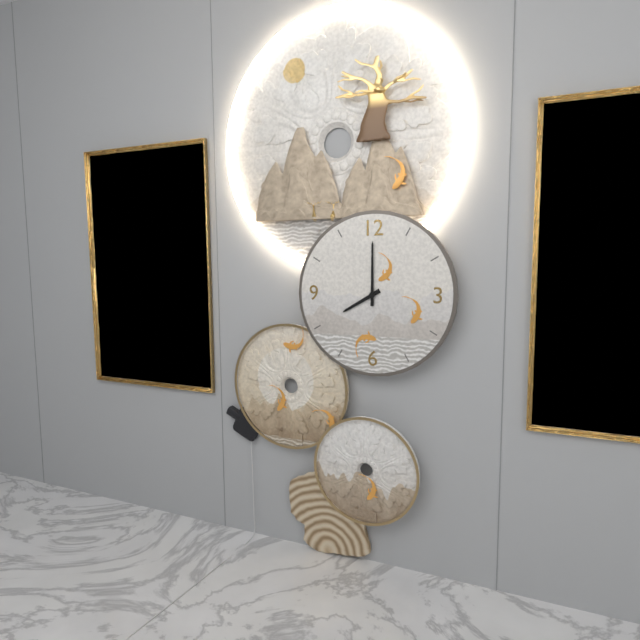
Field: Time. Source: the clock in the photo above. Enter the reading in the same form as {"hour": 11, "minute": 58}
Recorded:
{"hour": 8, "minute": 0}
